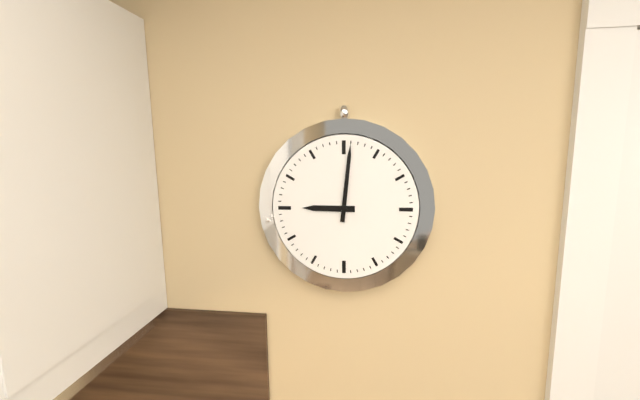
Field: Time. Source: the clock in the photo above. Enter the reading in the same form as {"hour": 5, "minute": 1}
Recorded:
{"hour": 9, "minute": 1}
